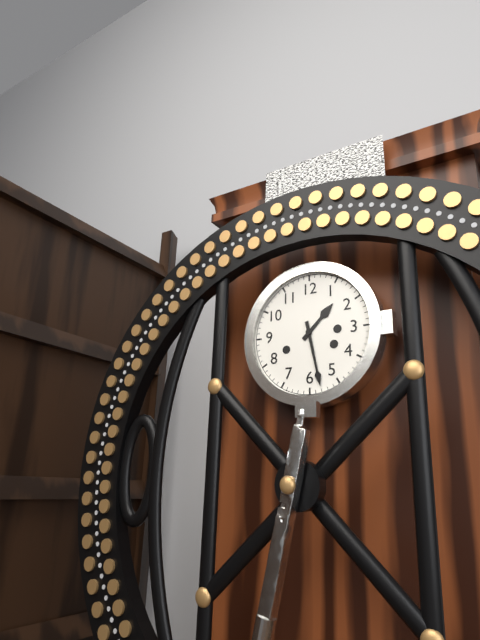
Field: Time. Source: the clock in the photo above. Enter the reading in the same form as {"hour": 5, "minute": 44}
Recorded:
{"hour": 1, "minute": 28}
